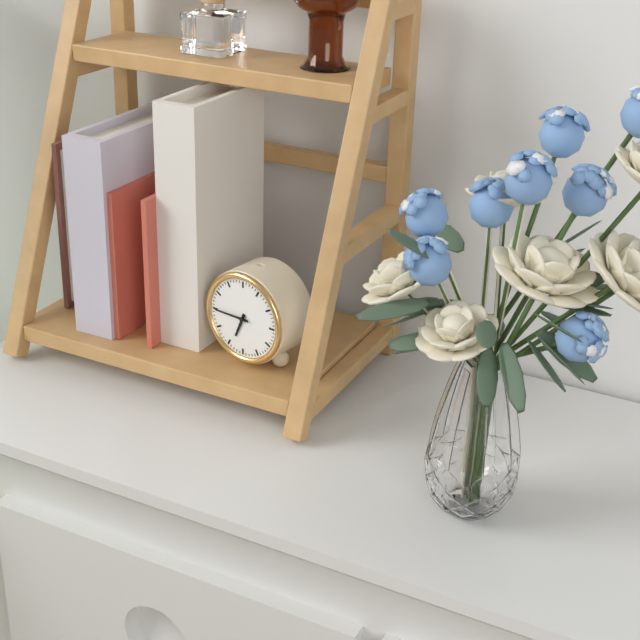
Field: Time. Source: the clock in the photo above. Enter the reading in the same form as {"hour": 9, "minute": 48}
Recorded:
{"hour": 6, "minute": 45}
